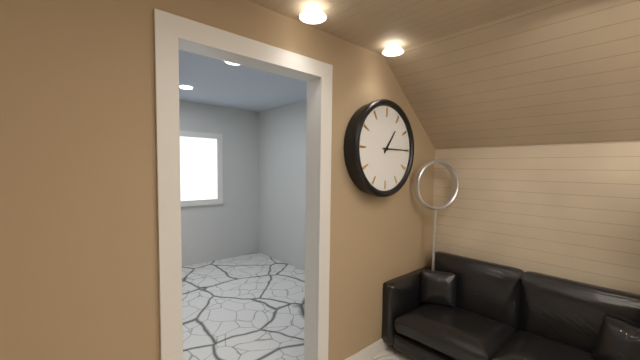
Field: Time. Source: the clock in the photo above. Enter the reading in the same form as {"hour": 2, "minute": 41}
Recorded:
{"hour": 1, "minute": 15}
